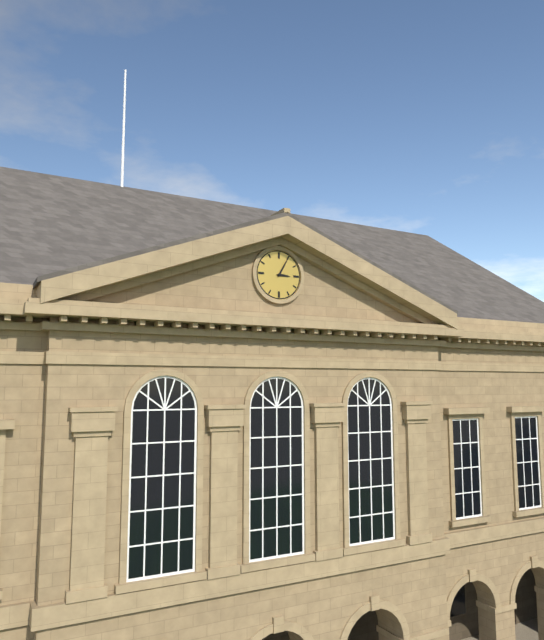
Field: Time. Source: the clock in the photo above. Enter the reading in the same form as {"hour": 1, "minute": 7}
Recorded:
{"hour": 3, "minute": 5}
